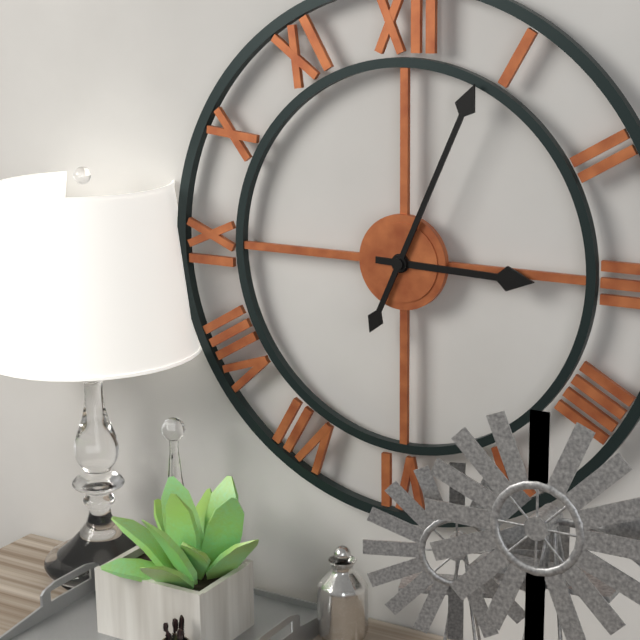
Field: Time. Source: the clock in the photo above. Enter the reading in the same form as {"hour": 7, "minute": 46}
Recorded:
{"hour": 3, "minute": 4}
